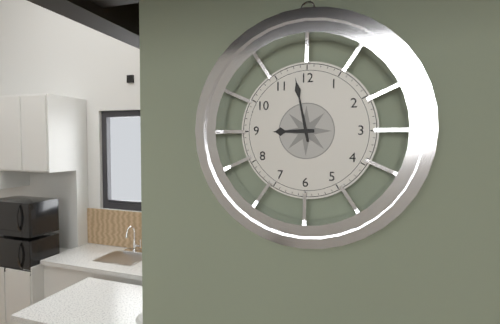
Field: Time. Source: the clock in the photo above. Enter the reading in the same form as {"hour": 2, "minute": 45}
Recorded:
{"hour": 8, "minute": 58}
